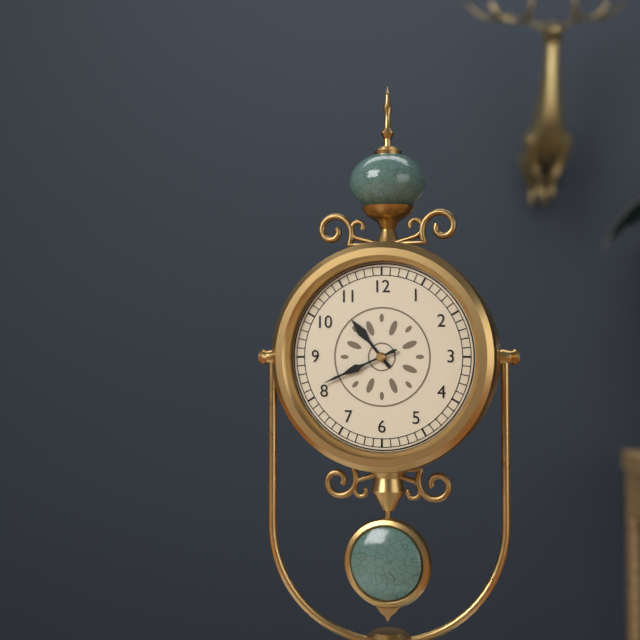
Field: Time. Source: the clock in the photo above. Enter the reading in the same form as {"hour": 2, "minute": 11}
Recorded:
{"hour": 10, "minute": 41}
